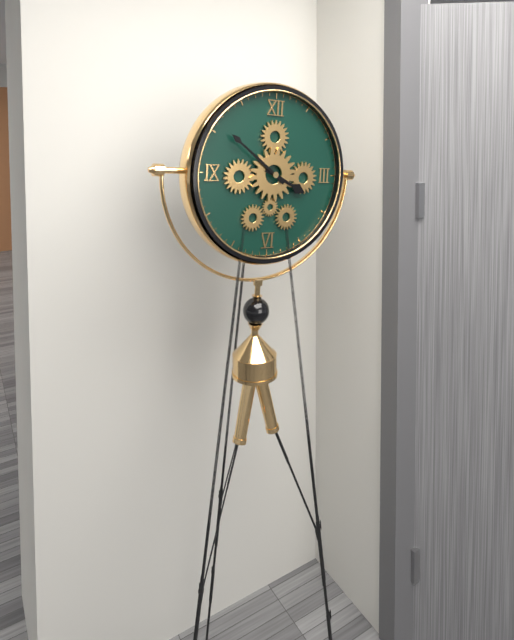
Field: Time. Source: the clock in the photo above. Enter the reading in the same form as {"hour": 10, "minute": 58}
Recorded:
{"hour": 3, "minute": 51}
